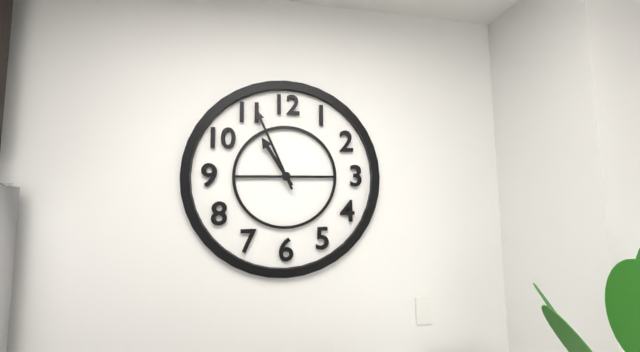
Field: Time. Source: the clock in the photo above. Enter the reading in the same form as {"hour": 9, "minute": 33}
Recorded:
{"hour": 10, "minute": 56}
